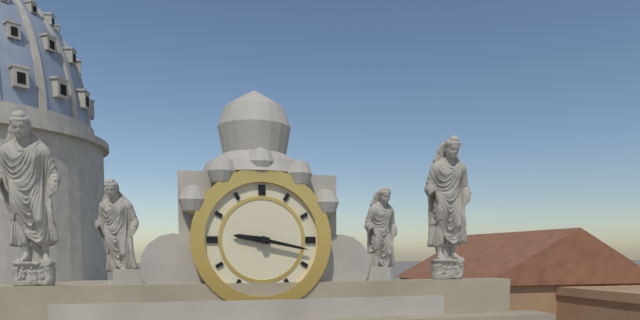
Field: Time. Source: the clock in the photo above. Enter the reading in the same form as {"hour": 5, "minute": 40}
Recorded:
{"hour": 9, "minute": 17}
